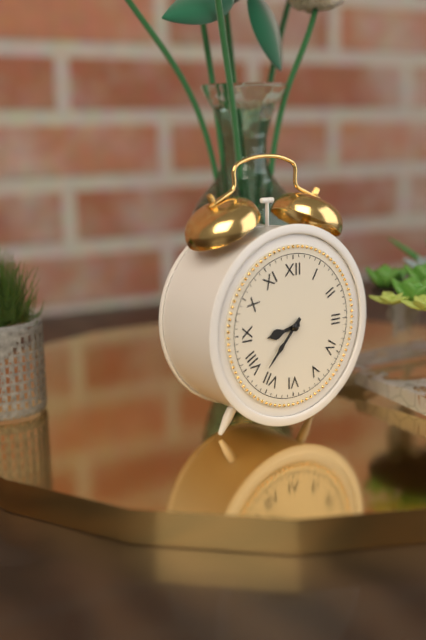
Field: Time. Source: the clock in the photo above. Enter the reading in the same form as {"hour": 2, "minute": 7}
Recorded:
{"hour": 8, "minute": 37}
